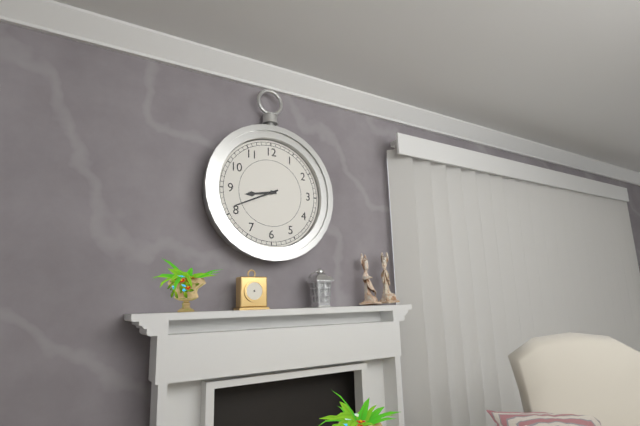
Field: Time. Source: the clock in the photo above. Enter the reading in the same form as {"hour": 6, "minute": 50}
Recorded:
{"hour": 8, "minute": 41}
